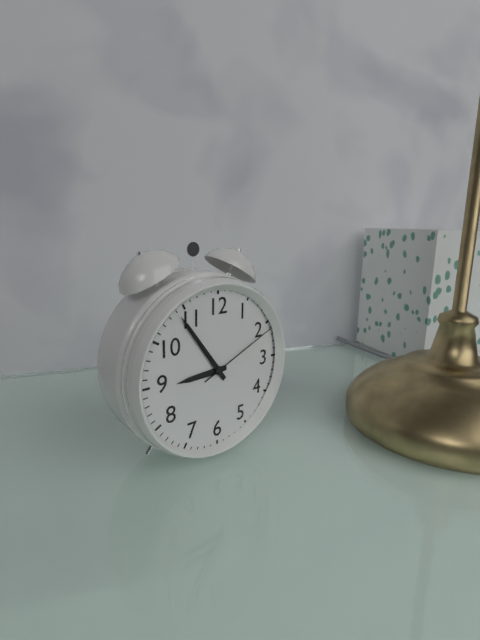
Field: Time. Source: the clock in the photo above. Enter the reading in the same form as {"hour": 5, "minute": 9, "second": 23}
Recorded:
{"hour": 8, "minute": 54, "second": 11}
